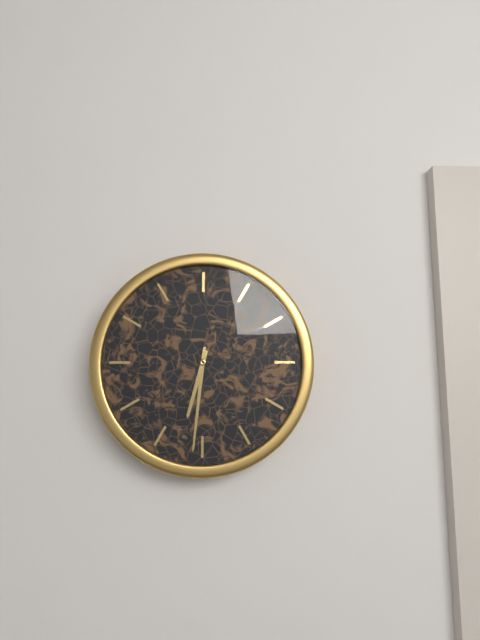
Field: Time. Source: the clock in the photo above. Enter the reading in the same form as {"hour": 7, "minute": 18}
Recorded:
{"hour": 6, "minute": 31}
